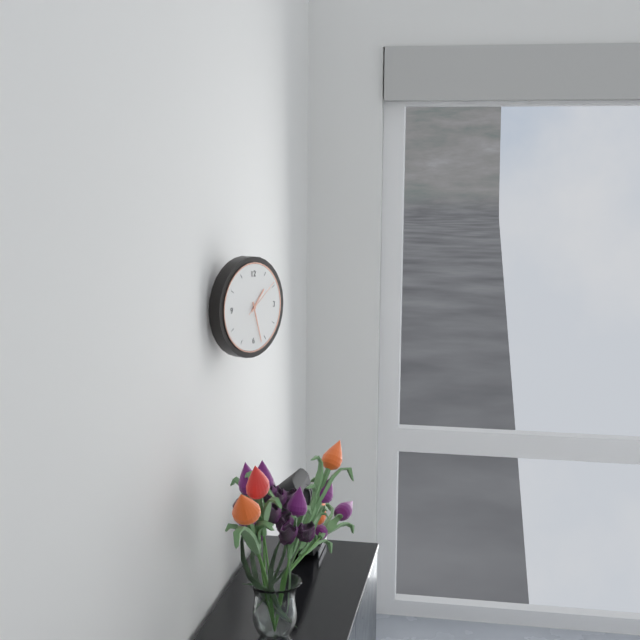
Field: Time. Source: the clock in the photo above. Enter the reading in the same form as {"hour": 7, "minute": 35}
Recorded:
{"hour": 1, "minute": 27}
